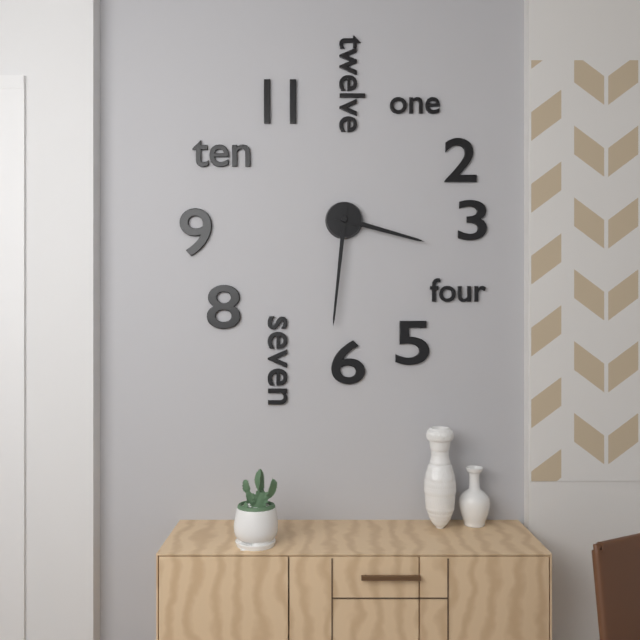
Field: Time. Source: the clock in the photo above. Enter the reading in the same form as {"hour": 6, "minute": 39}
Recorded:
{"hour": 3, "minute": 31}
